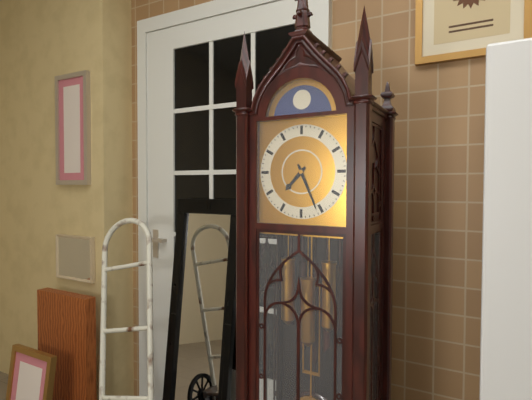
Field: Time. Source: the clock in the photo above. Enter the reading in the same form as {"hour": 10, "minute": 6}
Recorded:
{"hour": 7, "minute": 26}
